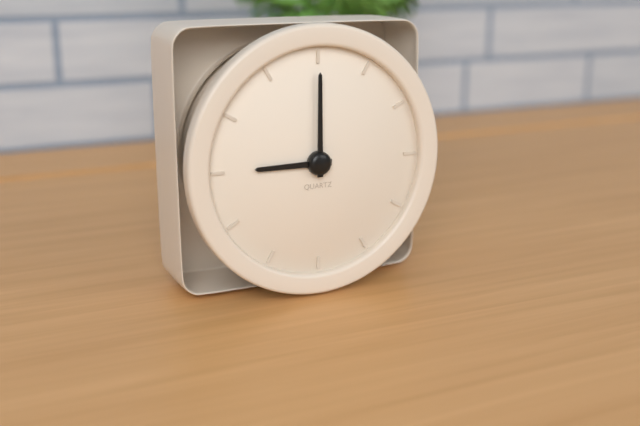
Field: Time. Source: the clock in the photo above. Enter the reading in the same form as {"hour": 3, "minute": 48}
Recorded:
{"hour": 9, "minute": 0}
